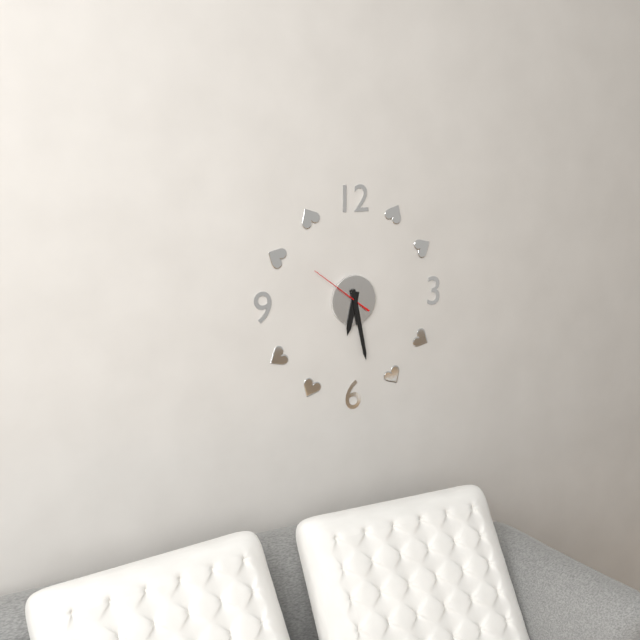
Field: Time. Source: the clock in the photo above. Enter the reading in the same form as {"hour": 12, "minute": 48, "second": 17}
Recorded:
{"hour": 6, "minute": 28, "second": 51}
